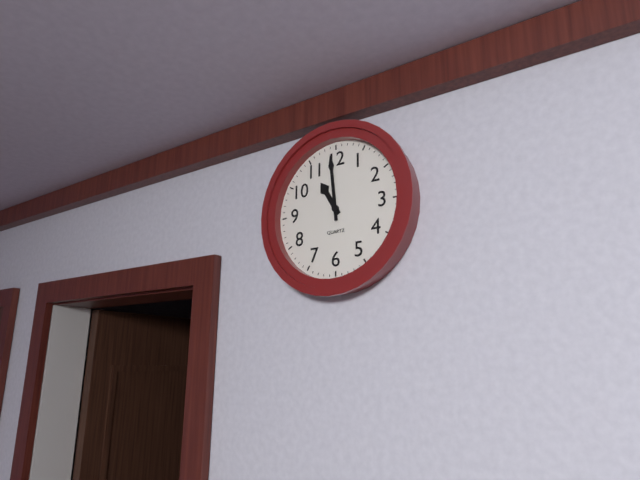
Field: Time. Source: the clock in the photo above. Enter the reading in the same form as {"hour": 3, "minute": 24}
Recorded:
{"hour": 10, "minute": 59}
